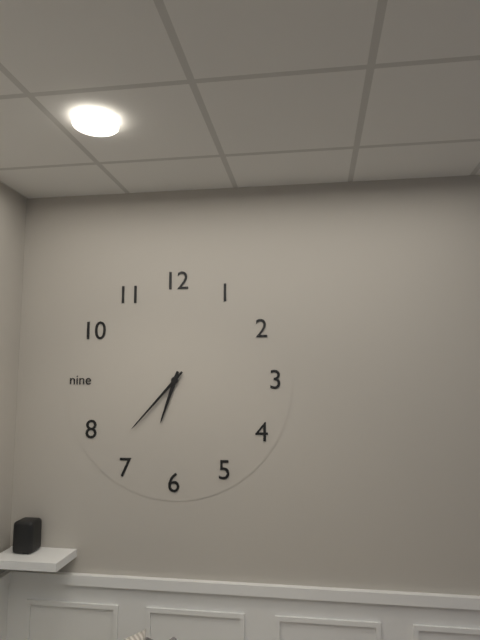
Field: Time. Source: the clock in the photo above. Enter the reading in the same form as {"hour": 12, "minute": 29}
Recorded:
{"hour": 6, "minute": 37}
